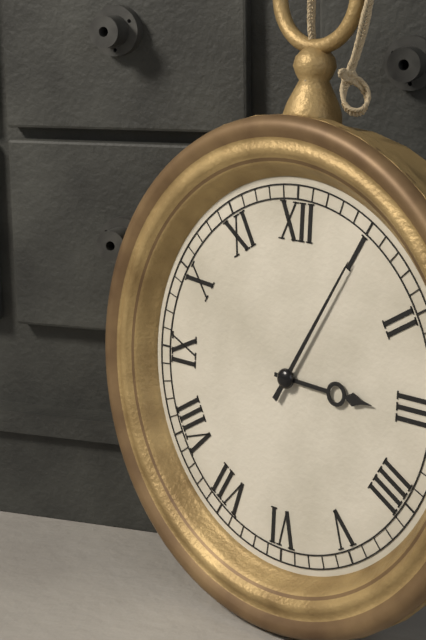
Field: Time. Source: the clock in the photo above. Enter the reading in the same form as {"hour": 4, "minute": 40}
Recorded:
{"hour": 3, "minute": 5}
